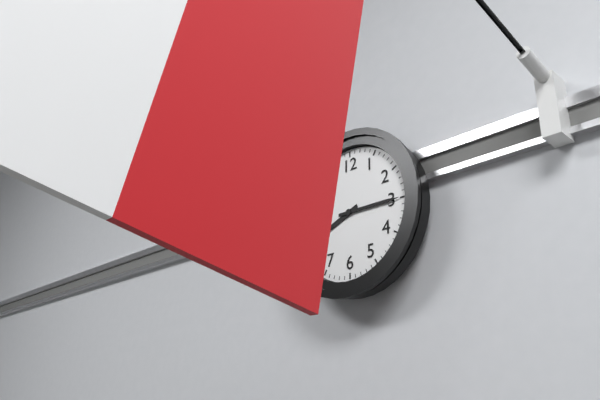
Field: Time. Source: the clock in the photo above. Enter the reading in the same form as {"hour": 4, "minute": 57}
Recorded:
{"hour": 8, "minute": 15}
